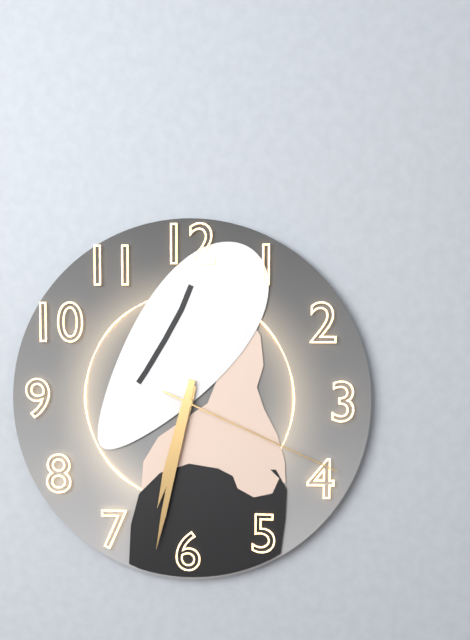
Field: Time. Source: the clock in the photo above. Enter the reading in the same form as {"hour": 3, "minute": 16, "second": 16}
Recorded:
{"hour": 6, "minute": 32, "second": 19}
